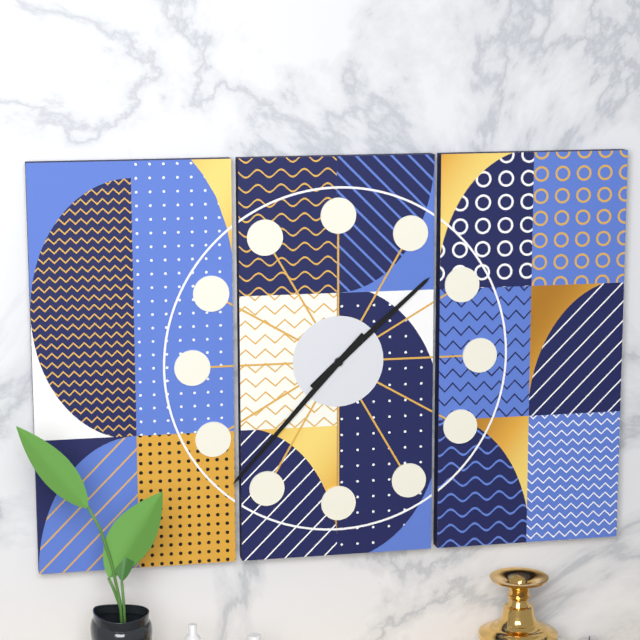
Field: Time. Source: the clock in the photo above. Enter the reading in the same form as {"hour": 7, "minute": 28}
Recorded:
{"hour": 1, "minute": 37}
